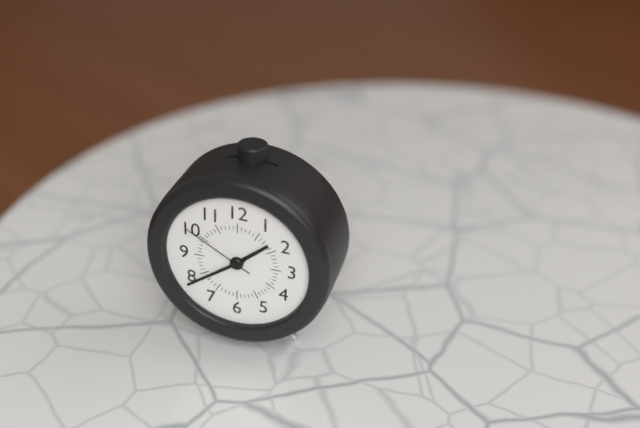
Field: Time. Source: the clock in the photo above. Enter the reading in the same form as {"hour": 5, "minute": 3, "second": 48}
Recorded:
{"hour": 1, "minute": 39, "second": 50}
